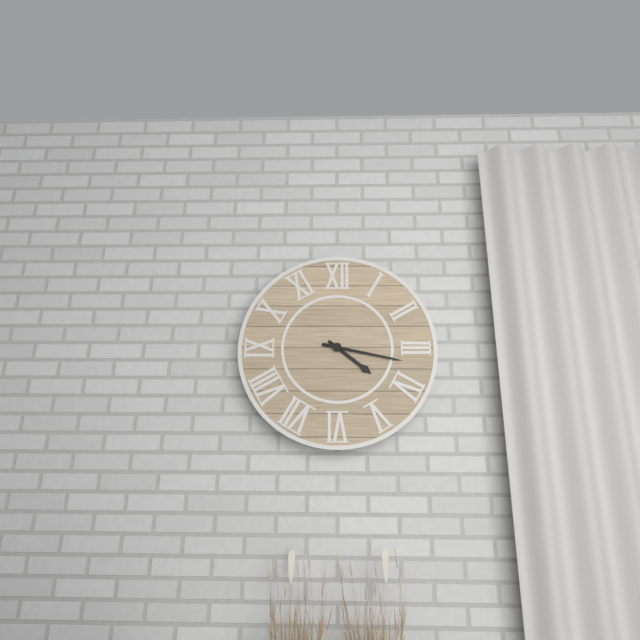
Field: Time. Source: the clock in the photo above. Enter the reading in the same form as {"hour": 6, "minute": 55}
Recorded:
{"hour": 4, "minute": 17}
